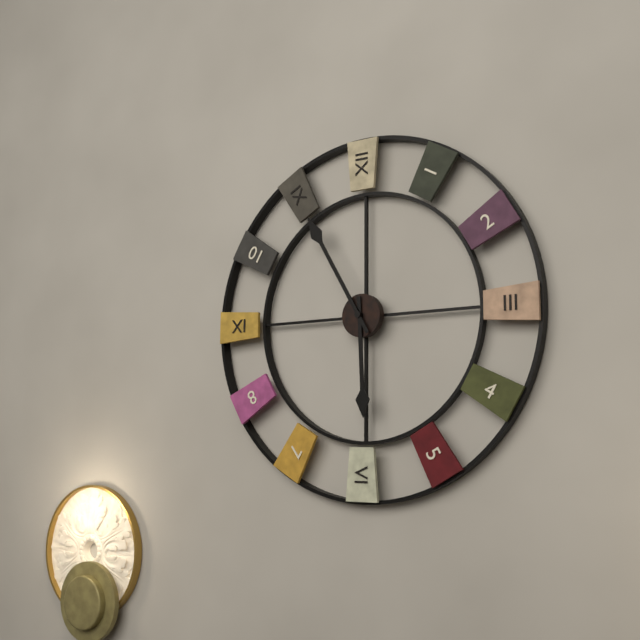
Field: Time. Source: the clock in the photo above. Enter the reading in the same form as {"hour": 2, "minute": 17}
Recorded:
{"hour": 5, "minute": 55}
